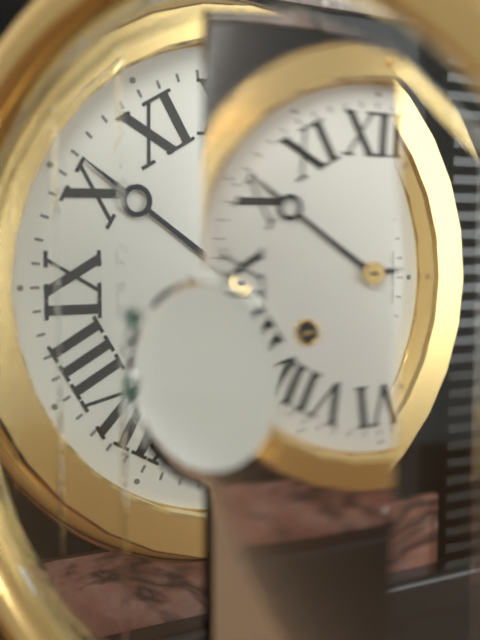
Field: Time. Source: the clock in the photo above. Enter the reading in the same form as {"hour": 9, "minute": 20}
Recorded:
{"hour": 2, "minute": 51}
